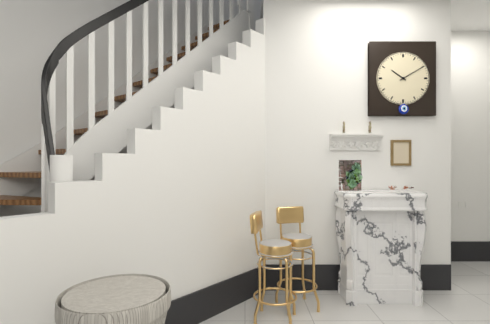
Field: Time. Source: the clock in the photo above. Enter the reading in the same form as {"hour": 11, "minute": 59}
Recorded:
{"hour": 10, "minute": 10}
